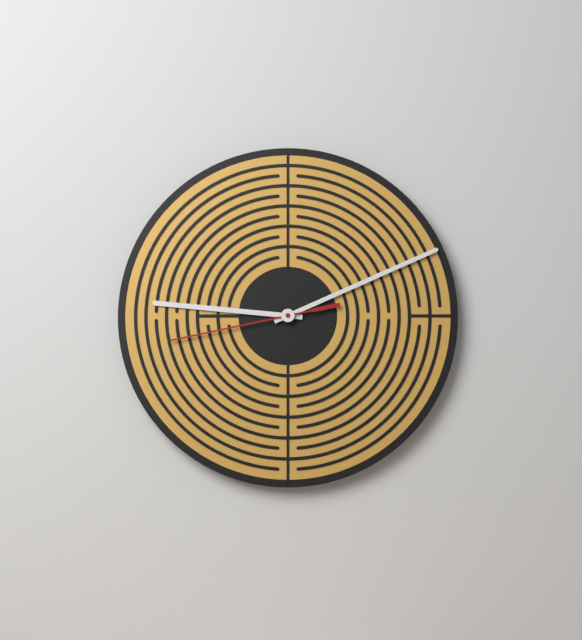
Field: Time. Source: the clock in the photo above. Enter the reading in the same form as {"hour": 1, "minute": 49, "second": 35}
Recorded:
{"hour": 9, "minute": 11, "second": 43}
